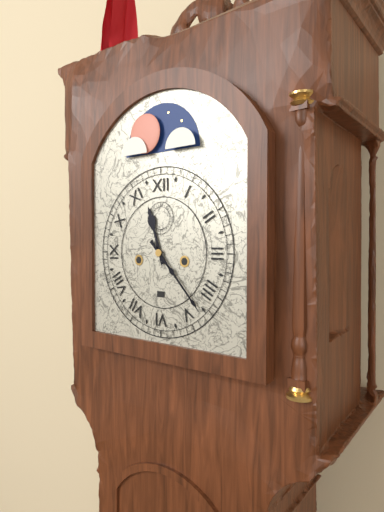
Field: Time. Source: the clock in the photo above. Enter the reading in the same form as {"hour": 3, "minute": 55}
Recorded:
{"hour": 11, "minute": 23}
